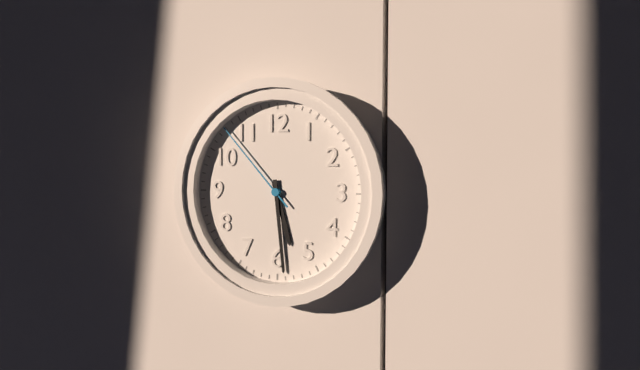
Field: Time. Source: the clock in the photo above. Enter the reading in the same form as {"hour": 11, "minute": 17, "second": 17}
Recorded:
{"hour": 5, "minute": 29, "second": 53}
